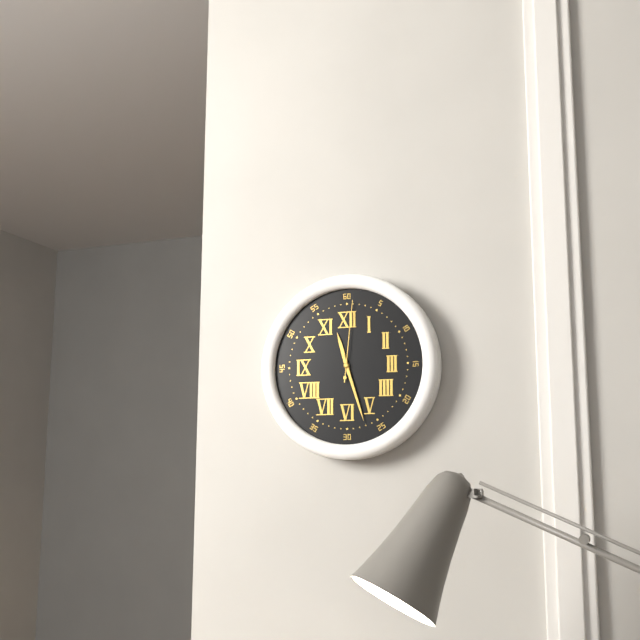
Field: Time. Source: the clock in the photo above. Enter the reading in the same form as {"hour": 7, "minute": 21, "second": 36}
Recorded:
{"hour": 11, "minute": 27, "second": 1}
